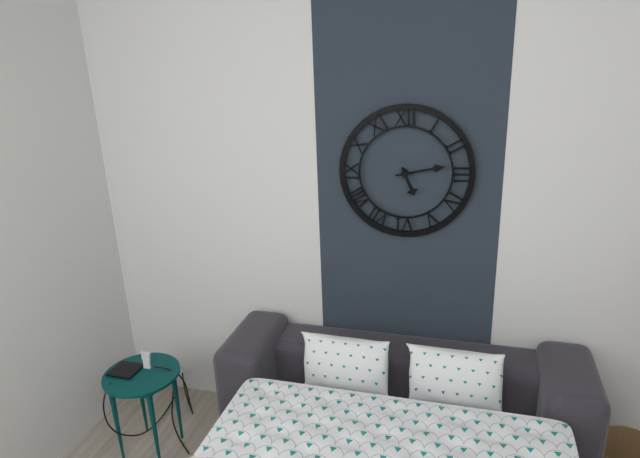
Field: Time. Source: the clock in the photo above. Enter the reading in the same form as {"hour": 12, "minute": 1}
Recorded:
{"hour": 5, "minute": 13}
